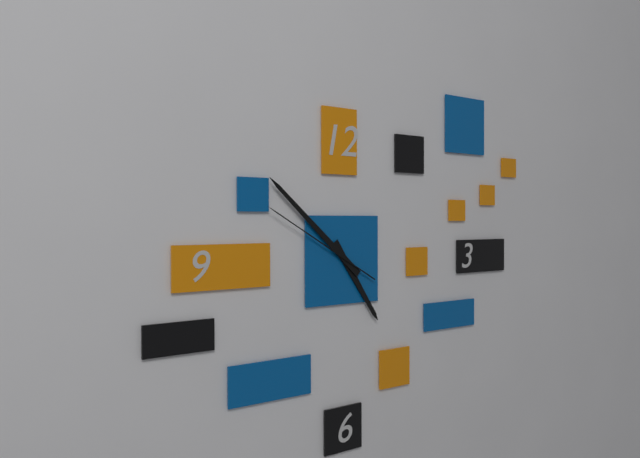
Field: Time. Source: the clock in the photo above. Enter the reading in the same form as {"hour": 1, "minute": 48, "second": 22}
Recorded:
{"hour": 4, "minute": 52, "second": 50}
